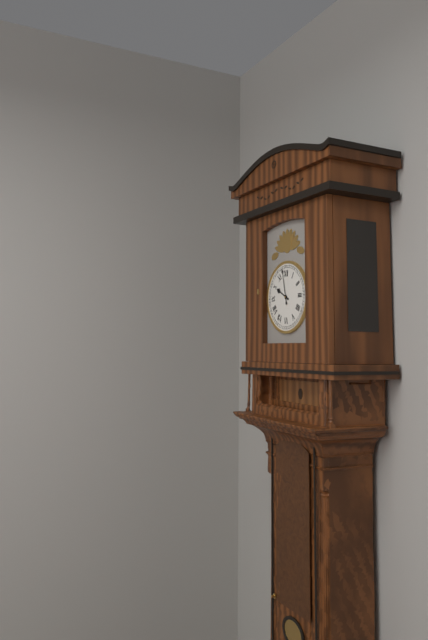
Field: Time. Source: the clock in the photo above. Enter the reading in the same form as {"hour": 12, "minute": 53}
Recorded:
{"hour": 9, "minute": 58}
